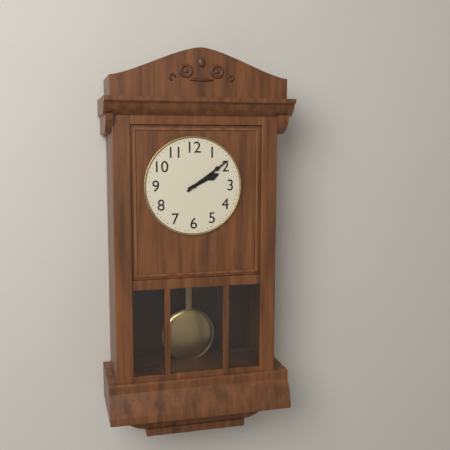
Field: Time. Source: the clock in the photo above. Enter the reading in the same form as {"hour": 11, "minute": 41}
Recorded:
{"hour": 2, "minute": 9}
